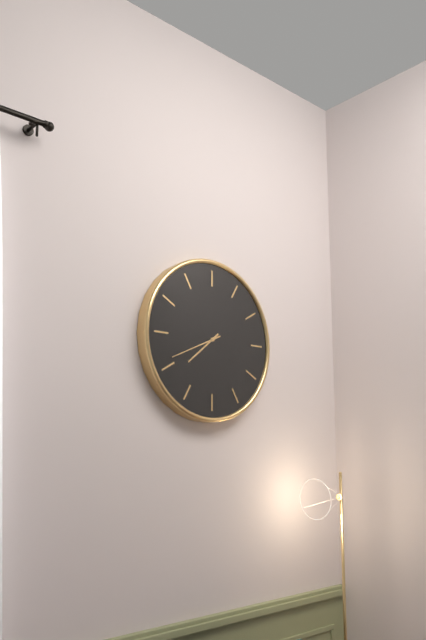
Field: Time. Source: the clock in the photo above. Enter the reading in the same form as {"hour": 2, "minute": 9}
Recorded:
{"hour": 7, "minute": 41}
